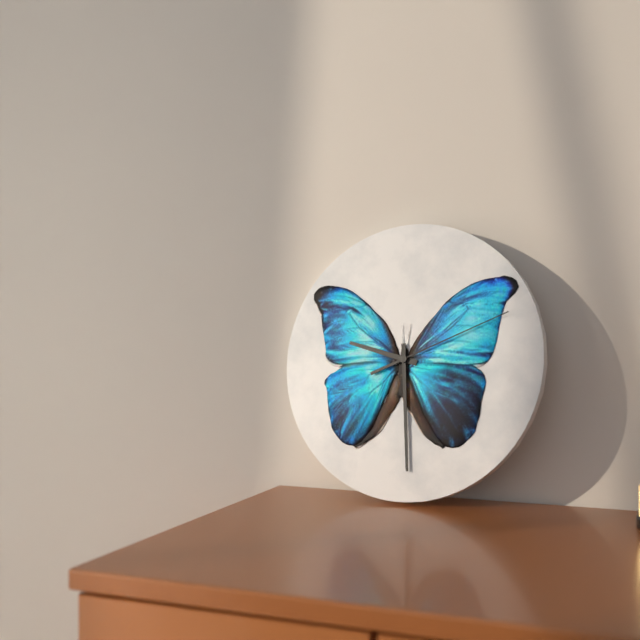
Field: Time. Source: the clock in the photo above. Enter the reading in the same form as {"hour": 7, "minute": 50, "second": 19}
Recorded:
{"hour": 9, "minute": 29, "second": 11}
